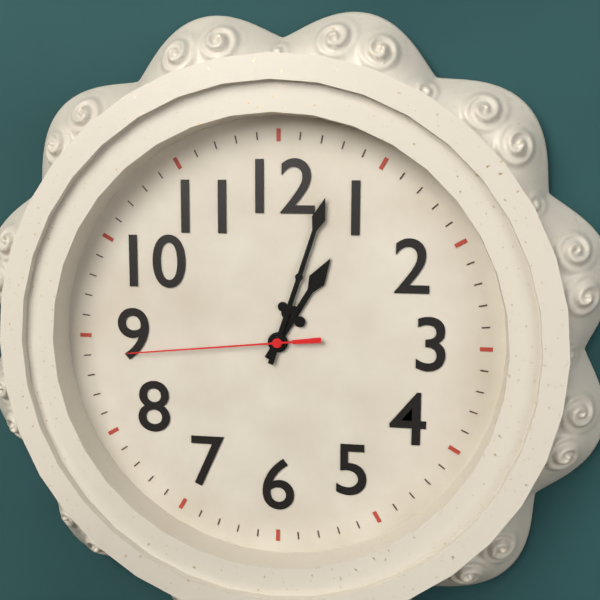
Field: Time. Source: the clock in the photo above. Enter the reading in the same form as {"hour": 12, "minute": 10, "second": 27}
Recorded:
{"hour": 1, "minute": 3, "second": 44}
